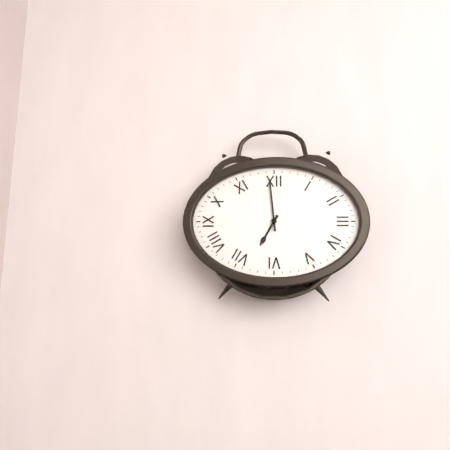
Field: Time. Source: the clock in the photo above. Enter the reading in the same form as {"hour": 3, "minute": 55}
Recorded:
{"hour": 6, "minute": 59}
